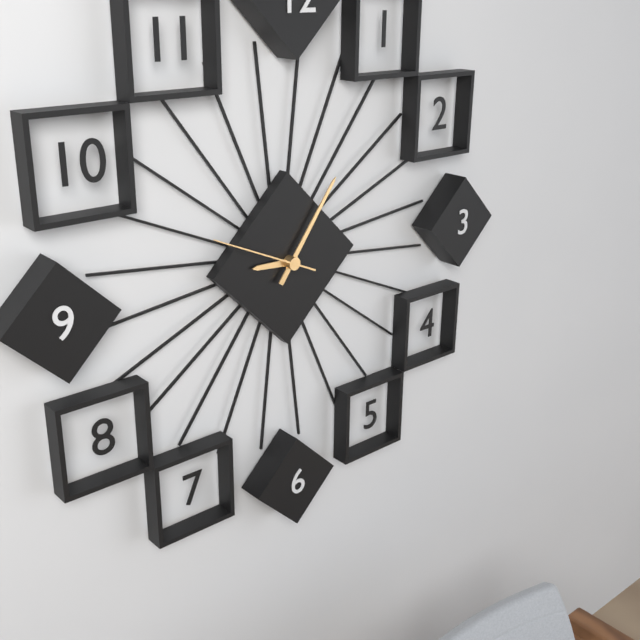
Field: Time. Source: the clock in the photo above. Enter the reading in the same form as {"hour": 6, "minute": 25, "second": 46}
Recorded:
{"hour": 9, "minute": 6, "second": 49}
